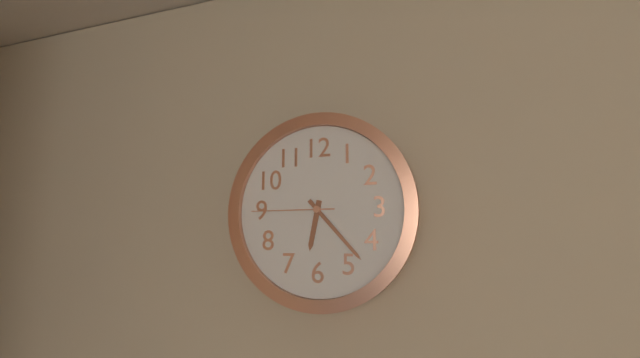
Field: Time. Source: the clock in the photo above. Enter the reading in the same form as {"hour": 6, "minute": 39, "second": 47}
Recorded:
{"hour": 6, "minute": 23, "second": 45}
